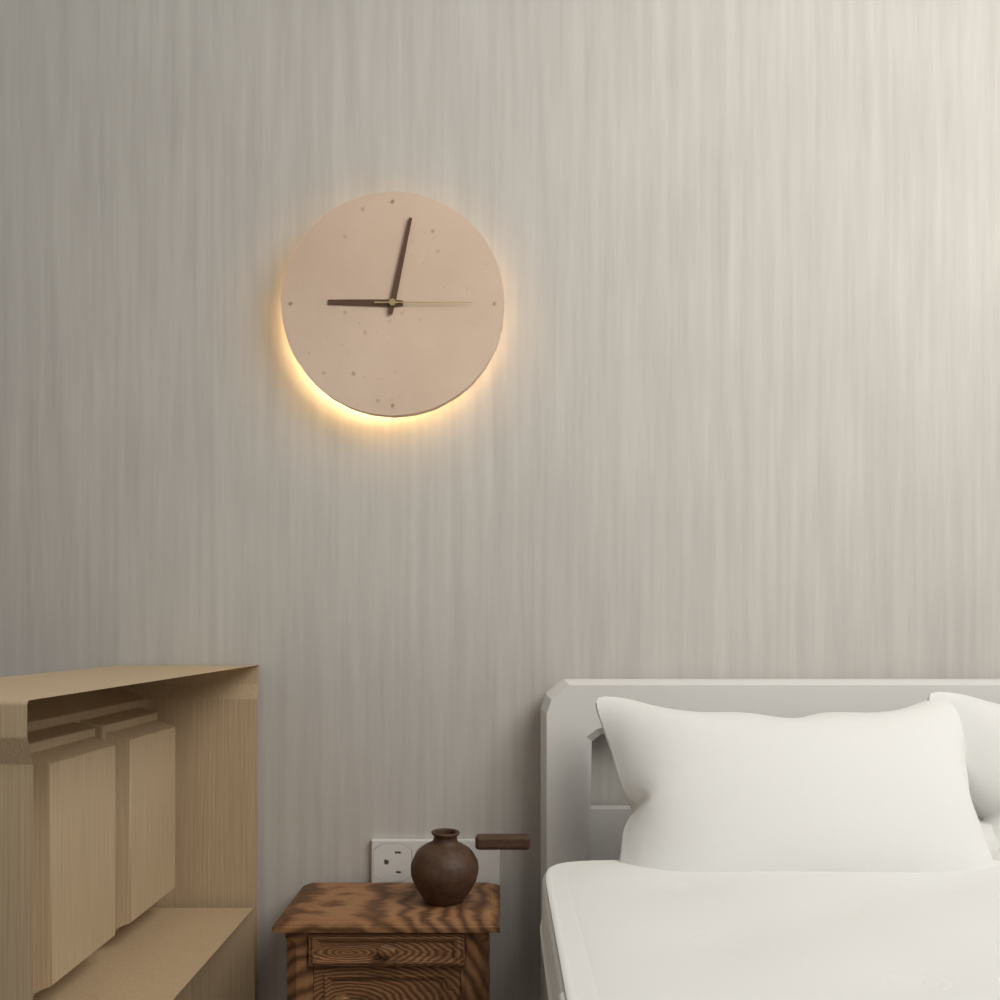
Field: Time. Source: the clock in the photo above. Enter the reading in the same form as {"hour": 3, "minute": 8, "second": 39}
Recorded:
{"hour": 9, "minute": 2, "second": 15}
